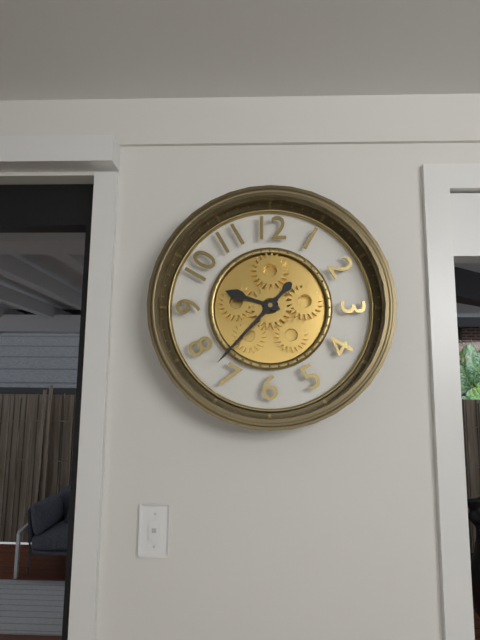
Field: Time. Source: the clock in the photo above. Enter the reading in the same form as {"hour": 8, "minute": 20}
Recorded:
{"hour": 9, "minute": 37}
